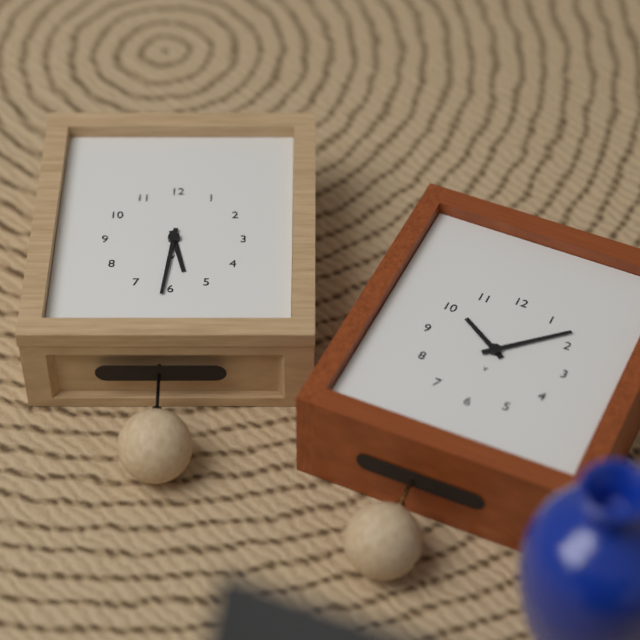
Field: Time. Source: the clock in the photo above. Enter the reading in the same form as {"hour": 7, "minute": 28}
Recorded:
{"hour": 5, "minute": 31}
